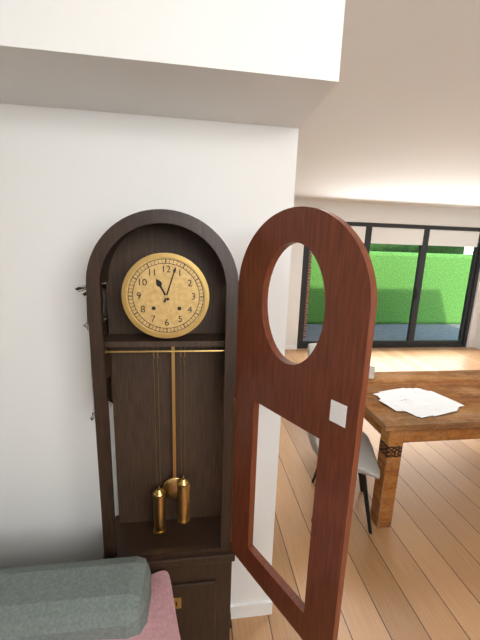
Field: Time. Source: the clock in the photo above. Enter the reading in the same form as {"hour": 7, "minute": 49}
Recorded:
{"hour": 11, "minute": 3}
